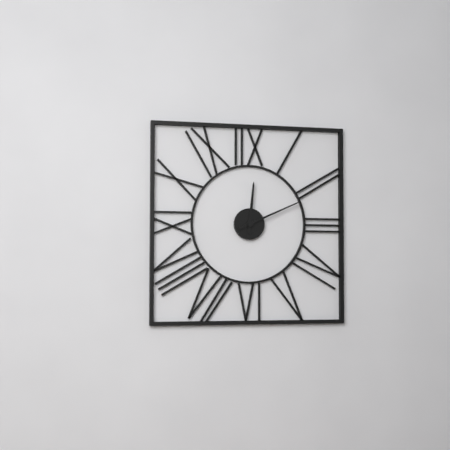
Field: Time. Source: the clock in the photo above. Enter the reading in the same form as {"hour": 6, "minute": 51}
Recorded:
{"hour": 12, "minute": 11}
